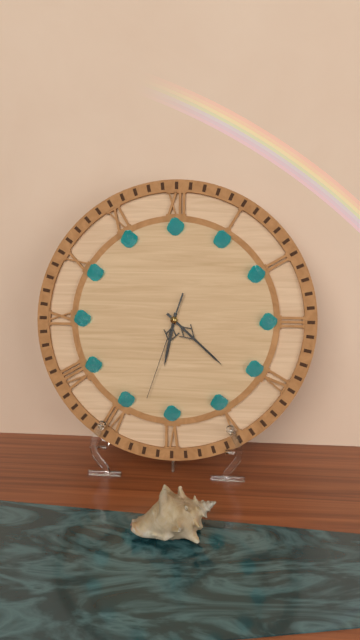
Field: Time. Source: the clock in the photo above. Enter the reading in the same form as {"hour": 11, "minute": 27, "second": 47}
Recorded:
{"hour": 6, "minute": 22, "second": 33}
